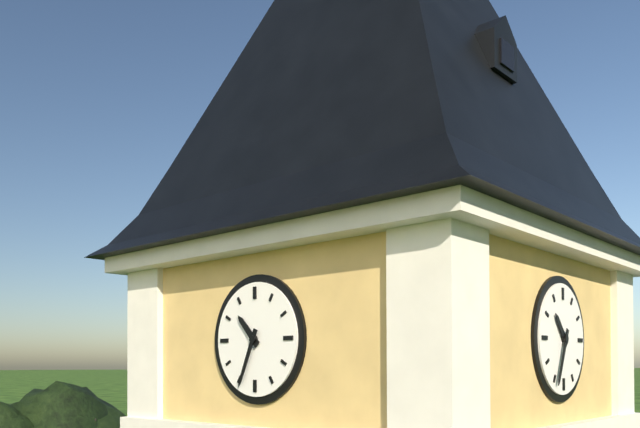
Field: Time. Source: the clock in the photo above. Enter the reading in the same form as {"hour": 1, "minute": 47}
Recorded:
{"hour": 10, "minute": 34}
